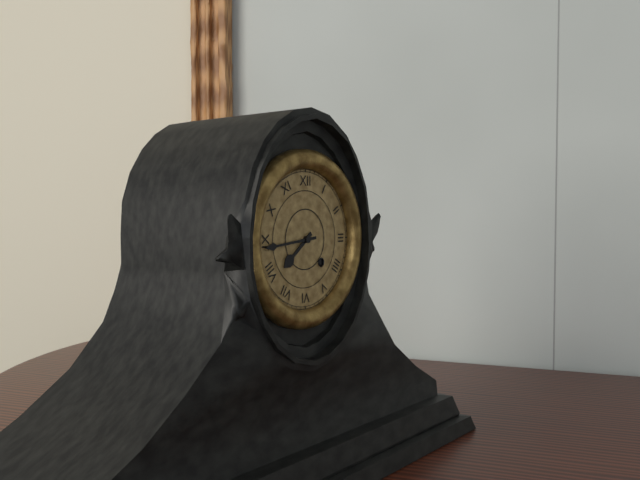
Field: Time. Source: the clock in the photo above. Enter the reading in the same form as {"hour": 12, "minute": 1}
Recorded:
{"hour": 7, "minute": 44}
